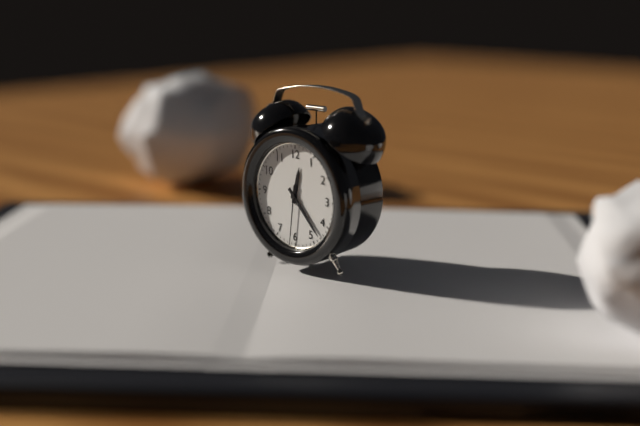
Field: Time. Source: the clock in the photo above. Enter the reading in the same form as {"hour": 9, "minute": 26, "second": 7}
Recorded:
{"hour": 12, "minute": 23, "second": 31}
